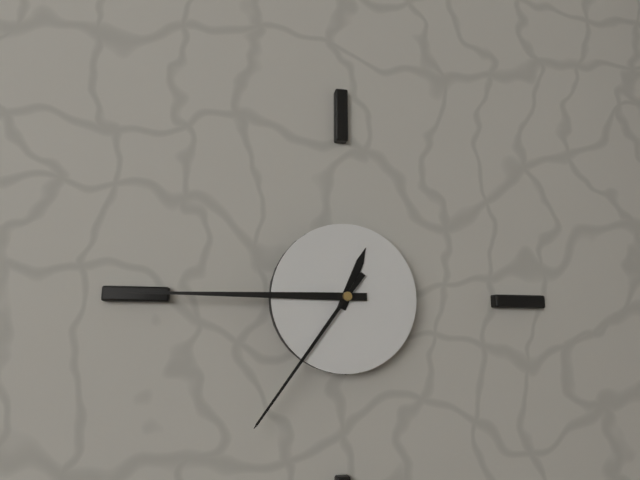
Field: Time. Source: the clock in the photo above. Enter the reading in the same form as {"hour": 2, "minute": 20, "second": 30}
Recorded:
{"hour": 12, "minute": 45, "second": 36}
